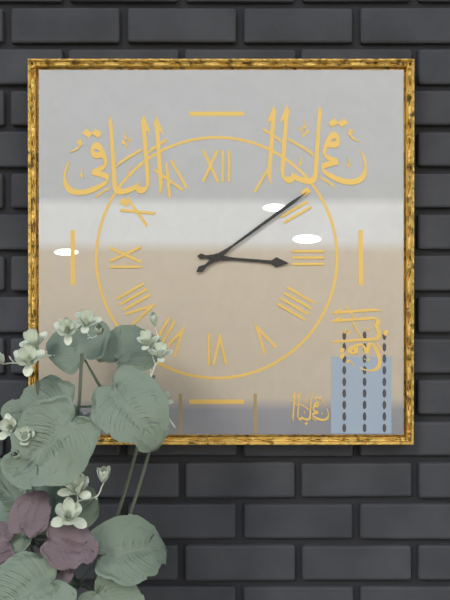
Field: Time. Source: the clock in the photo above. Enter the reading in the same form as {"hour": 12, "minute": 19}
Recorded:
{"hour": 3, "minute": 9}
